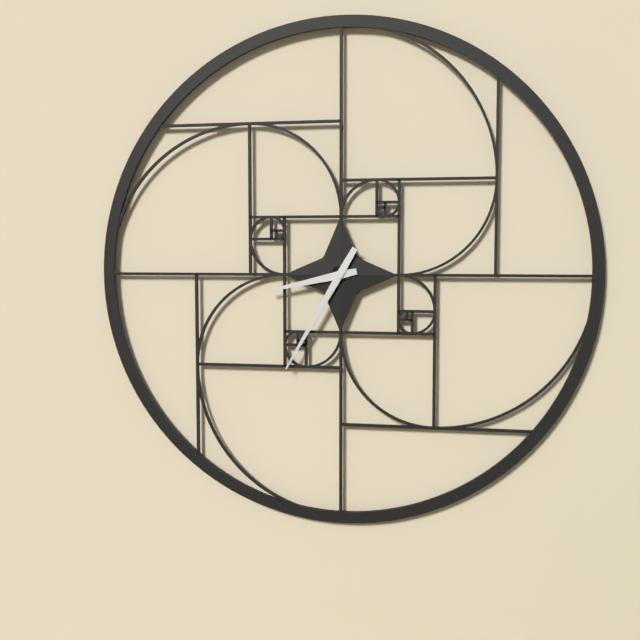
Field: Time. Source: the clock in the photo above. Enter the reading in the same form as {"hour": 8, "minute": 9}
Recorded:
{"hour": 8, "minute": 35}
